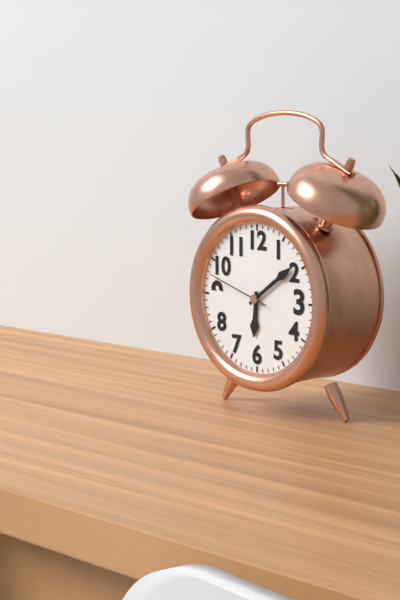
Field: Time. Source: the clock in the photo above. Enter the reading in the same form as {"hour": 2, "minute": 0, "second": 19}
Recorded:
{"hour": 6, "minute": 9, "second": 48}
